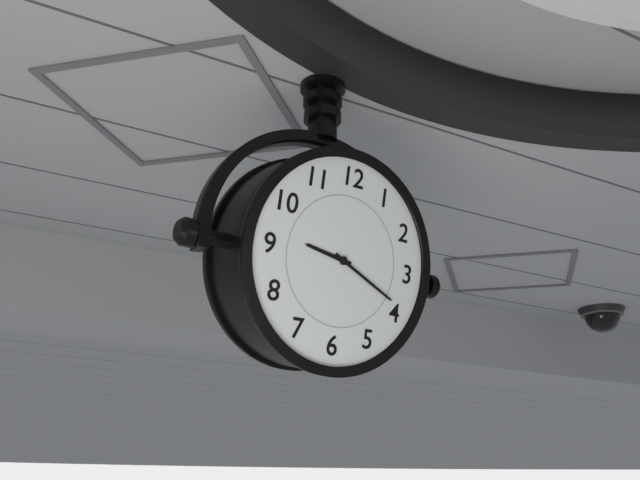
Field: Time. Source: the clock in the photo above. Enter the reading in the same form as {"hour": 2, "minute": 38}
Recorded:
{"hour": 9, "minute": 19}
